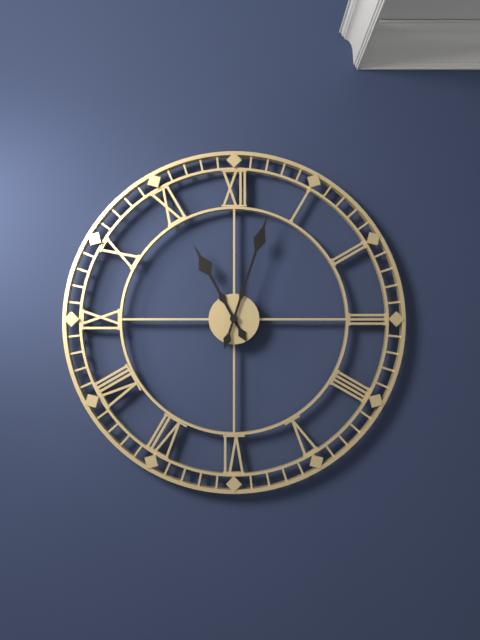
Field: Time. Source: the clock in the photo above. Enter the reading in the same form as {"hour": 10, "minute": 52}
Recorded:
{"hour": 11, "minute": 3}
